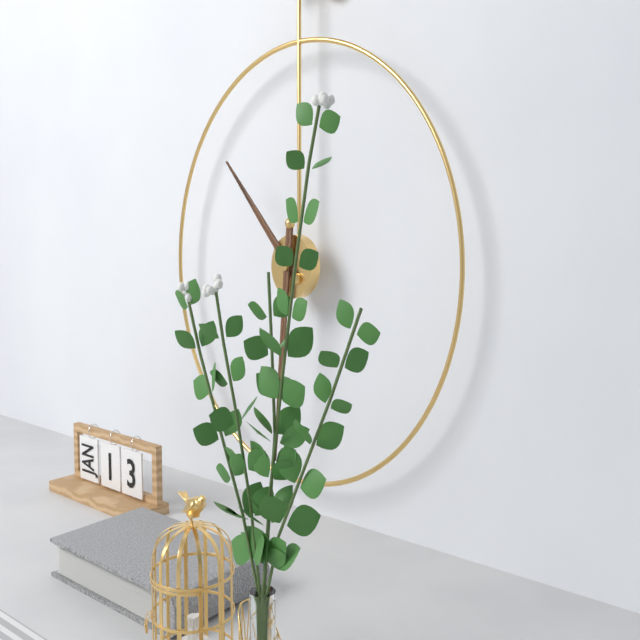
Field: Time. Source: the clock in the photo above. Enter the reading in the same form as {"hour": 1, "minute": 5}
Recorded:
{"hour": 10, "minute": 31}
